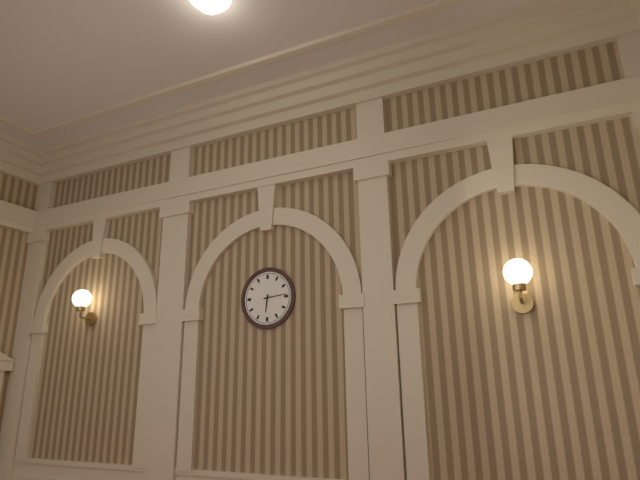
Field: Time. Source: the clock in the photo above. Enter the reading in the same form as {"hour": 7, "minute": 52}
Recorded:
{"hour": 6, "minute": 14}
